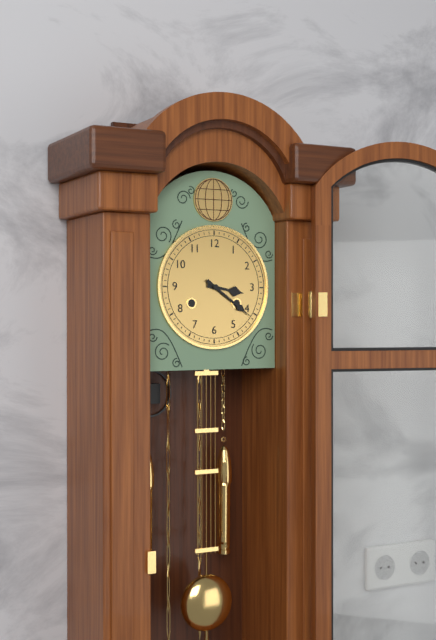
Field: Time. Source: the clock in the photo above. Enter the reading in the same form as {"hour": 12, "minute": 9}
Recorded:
{"hour": 3, "minute": 21}
